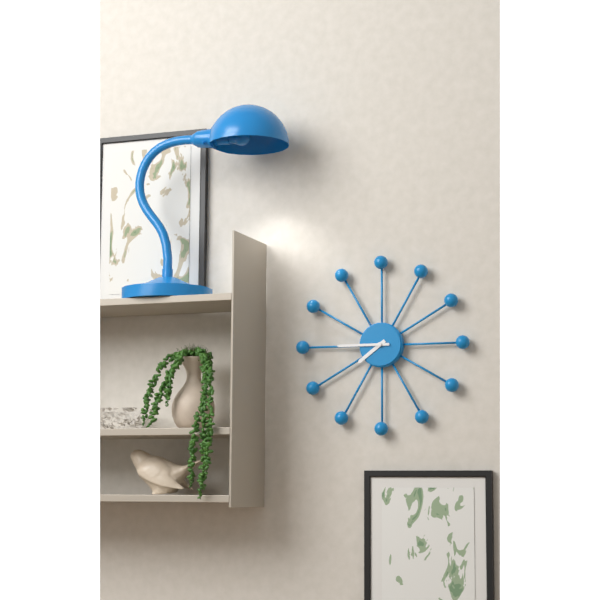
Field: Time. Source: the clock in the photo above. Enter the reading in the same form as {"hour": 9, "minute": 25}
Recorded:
{"hour": 7, "minute": 45}
